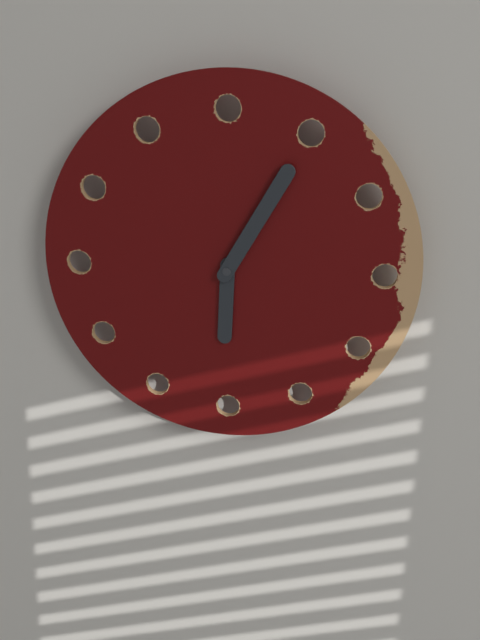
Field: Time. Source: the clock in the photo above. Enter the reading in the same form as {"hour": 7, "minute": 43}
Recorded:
{"hour": 6, "minute": 5}
